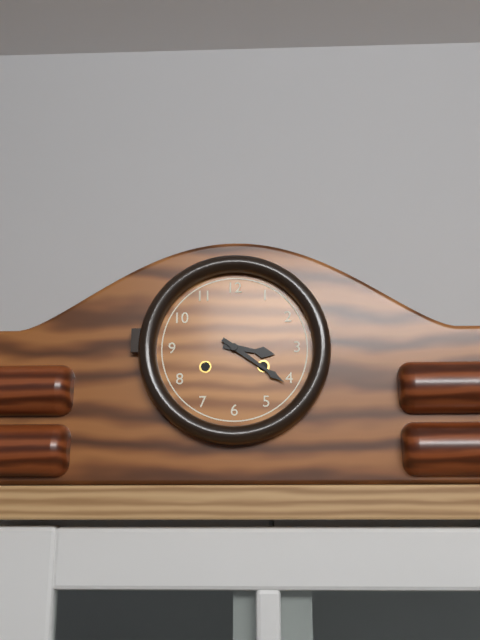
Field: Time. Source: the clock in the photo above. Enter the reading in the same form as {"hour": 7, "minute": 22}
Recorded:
{"hour": 3, "minute": 21}
